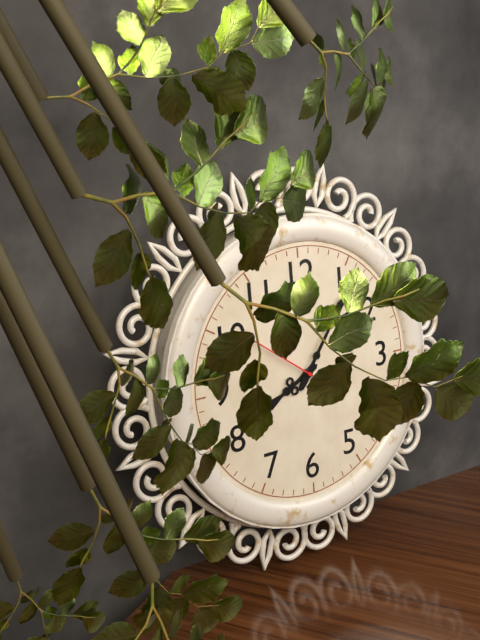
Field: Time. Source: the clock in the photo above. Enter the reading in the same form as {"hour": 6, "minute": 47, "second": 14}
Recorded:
{"hour": 8, "minute": 6, "second": 51}
